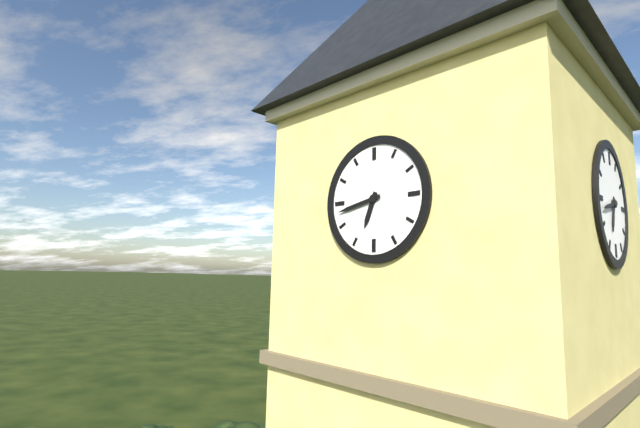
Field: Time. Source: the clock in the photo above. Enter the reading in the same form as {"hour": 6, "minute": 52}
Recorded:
{"hour": 6, "minute": 43}
